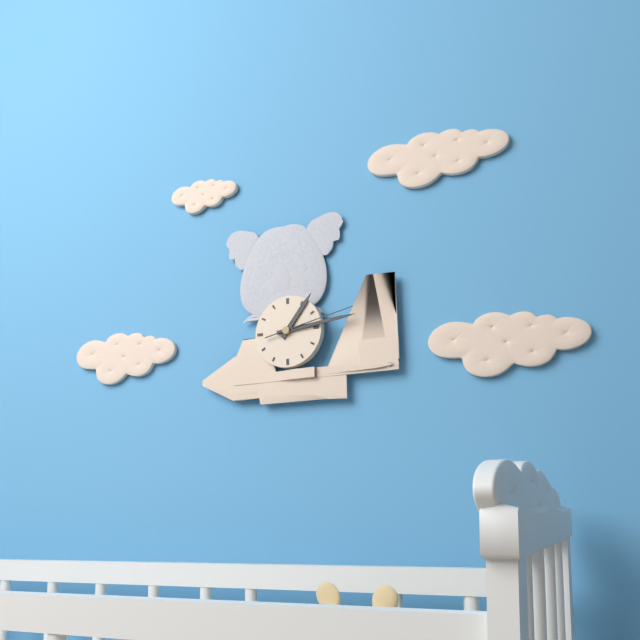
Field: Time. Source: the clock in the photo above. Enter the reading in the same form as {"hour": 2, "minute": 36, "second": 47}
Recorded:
{"hour": 1, "minute": 14, "second": 13}
